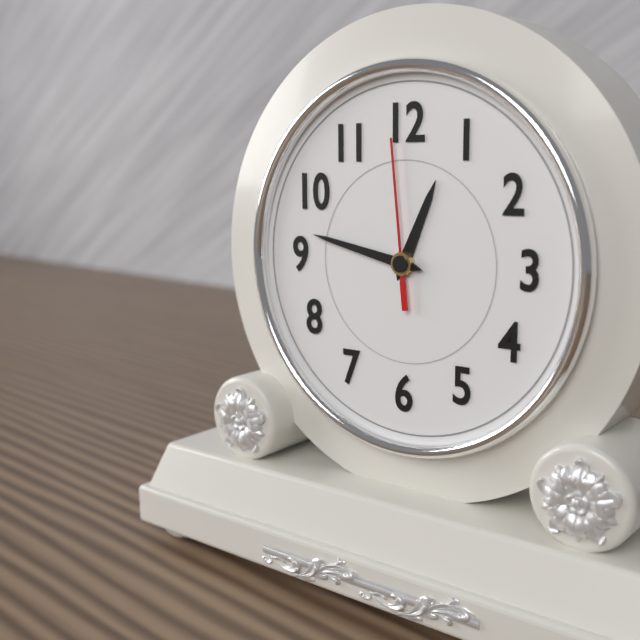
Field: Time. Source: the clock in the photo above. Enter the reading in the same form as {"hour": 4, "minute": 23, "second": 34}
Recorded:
{"hour": 12, "minute": 47, "second": 59}
